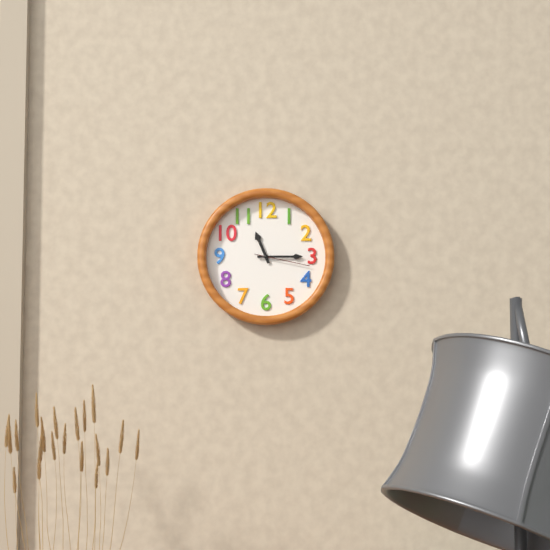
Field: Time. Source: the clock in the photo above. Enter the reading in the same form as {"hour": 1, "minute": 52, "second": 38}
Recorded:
{"hour": 11, "minute": 15, "second": 17}
